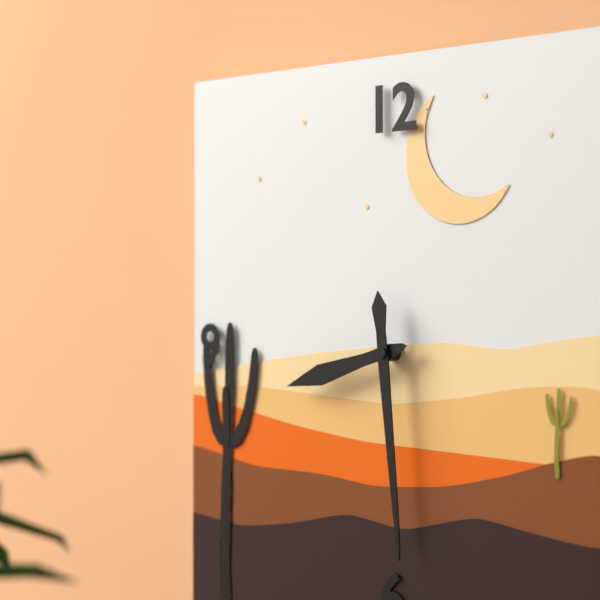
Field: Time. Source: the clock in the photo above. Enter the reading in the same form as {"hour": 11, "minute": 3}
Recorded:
{"hour": 8, "minute": 29}
